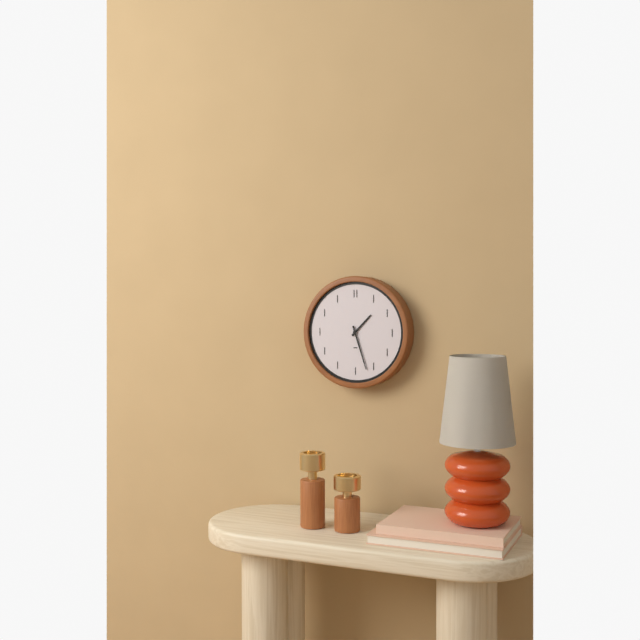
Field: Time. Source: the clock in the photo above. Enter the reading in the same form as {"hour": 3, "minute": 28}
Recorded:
{"hour": 1, "minute": 27}
